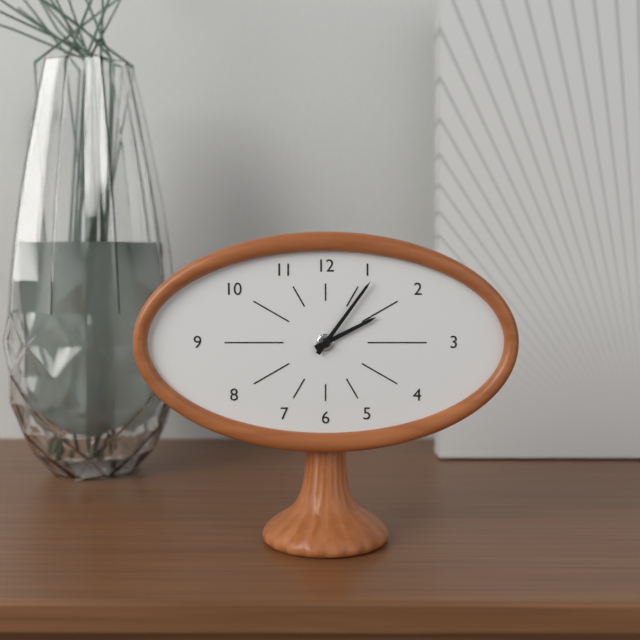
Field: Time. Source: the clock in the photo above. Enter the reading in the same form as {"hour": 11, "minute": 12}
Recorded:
{"hour": 2, "minute": 6}
